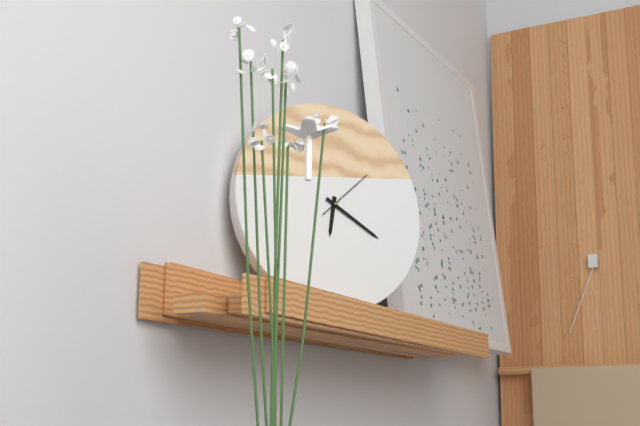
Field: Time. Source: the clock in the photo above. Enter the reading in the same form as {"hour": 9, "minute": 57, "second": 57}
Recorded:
{"hour": 6, "minute": 20, "second": 8}
